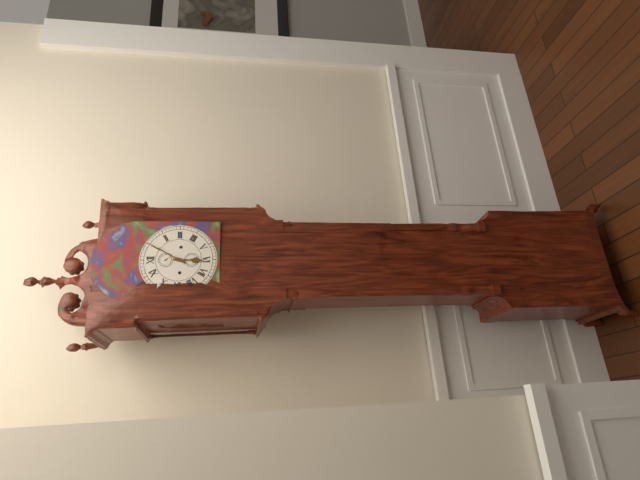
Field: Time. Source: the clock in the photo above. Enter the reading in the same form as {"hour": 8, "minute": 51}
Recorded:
{"hour": 6, "minute": 5}
